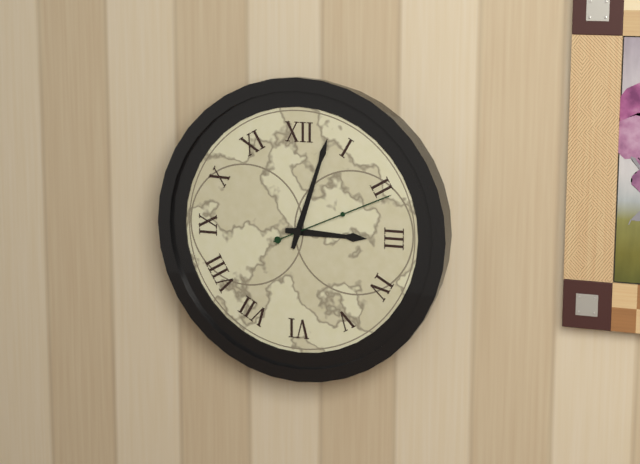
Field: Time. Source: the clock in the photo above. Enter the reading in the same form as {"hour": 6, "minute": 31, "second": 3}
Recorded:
{"hour": 3, "minute": 3, "second": 11}
